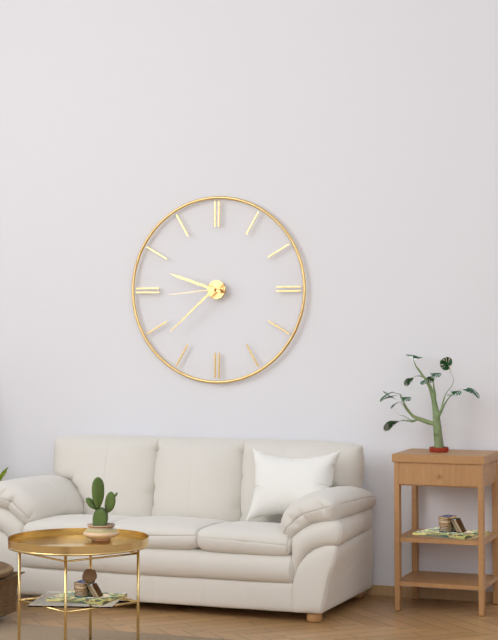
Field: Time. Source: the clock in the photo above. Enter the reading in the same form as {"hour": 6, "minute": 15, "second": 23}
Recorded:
{"hour": 9, "minute": 38, "second": 44}
